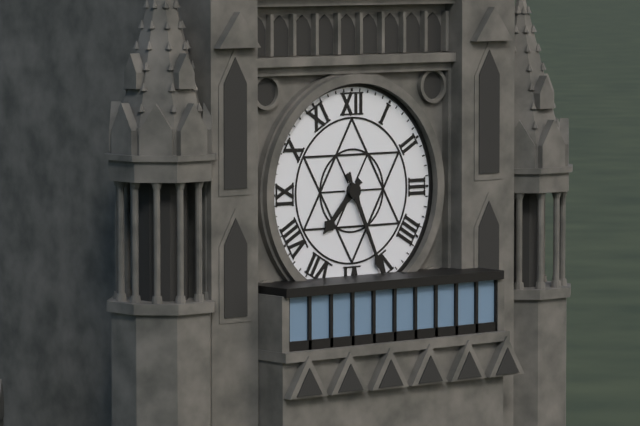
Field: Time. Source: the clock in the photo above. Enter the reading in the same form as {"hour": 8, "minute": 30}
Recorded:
{"hour": 7, "minute": 26}
